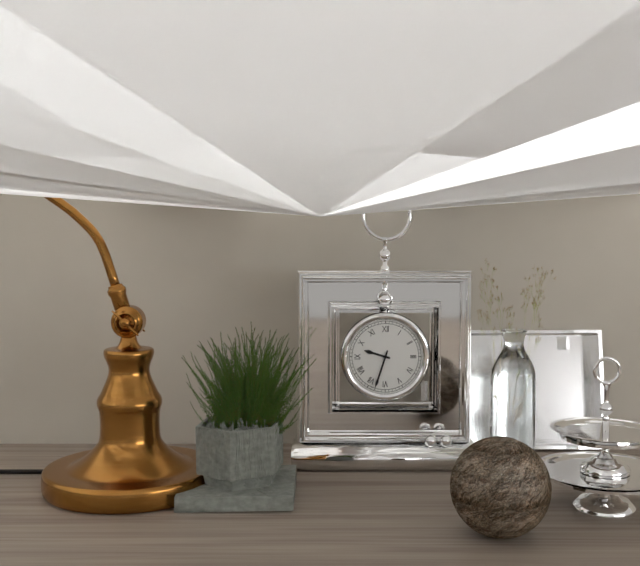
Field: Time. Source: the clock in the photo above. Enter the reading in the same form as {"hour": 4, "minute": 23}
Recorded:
{"hour": 9, "minute": 33}
